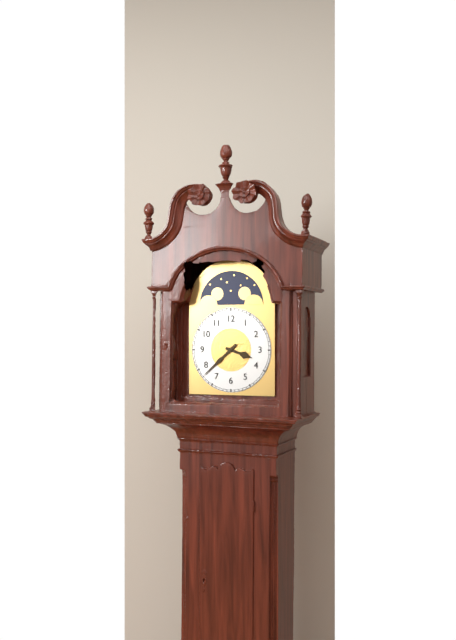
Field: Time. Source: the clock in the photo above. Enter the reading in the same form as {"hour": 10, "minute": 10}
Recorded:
{"hour": 3, "minute": 38}
